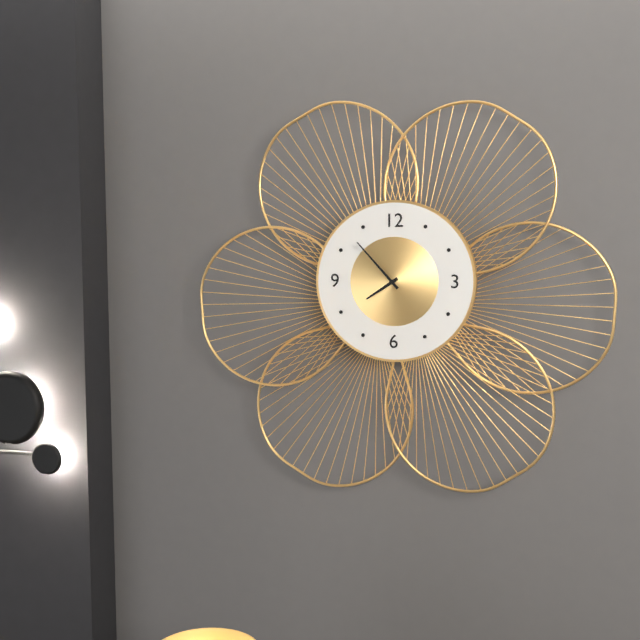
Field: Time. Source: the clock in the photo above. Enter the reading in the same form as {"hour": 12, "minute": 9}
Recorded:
{"hour": 7, "minute": 53}
